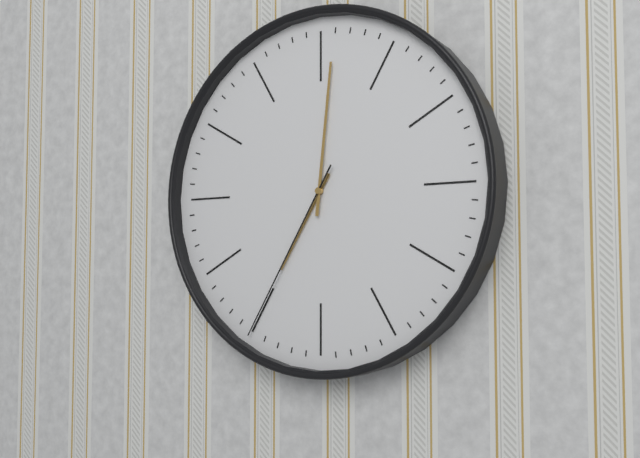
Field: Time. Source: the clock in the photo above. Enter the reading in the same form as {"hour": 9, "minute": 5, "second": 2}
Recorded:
{"hour": 7, "minute": 1, "second": 35}
